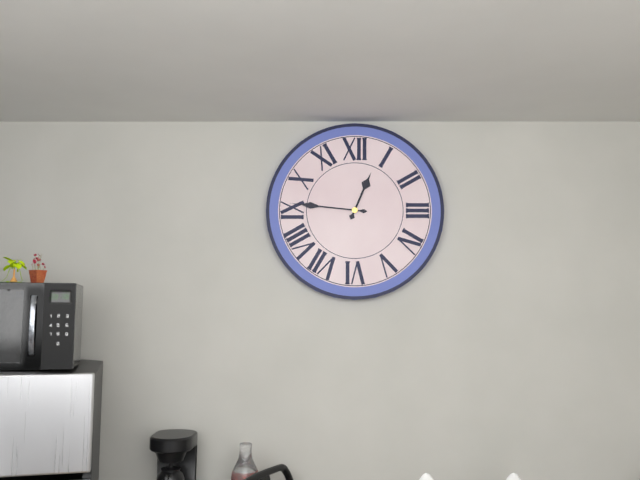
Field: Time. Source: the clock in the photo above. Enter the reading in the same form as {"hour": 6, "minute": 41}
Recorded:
{"hour": 12, "minute": 46}
